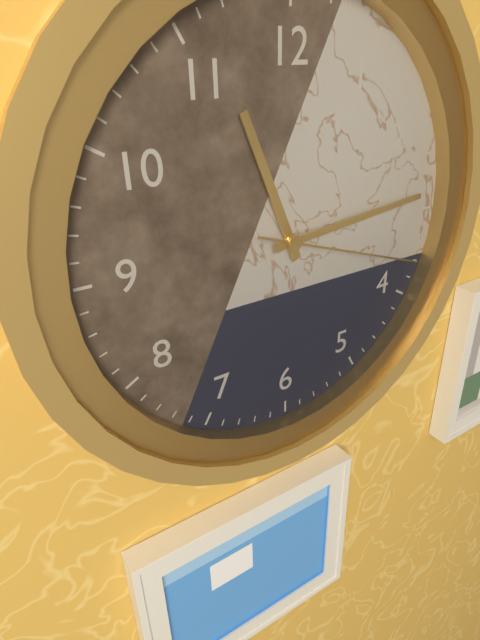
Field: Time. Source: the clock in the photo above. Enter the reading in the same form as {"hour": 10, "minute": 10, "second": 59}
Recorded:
{"hour": 11, "minute": 14, "second": 18}
